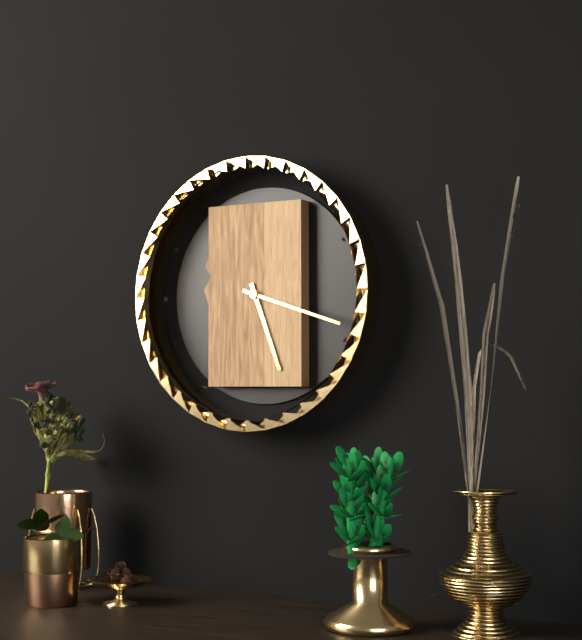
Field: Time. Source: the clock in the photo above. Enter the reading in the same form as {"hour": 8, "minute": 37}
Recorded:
{"hour": 5, "minute": 18}
